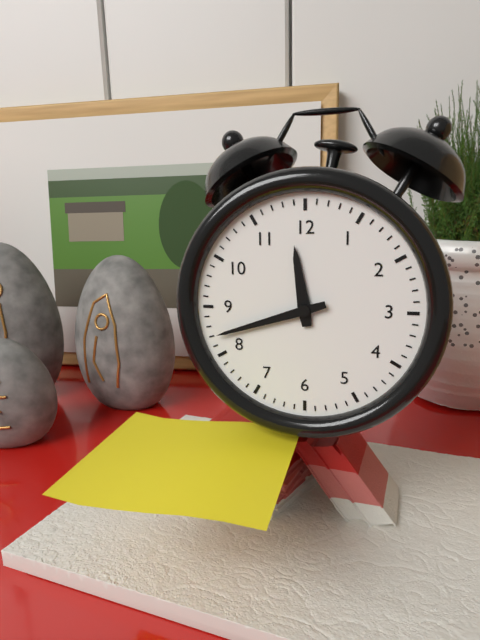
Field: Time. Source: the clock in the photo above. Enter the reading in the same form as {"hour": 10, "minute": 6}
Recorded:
{"hour": 11, "minute": 42}
